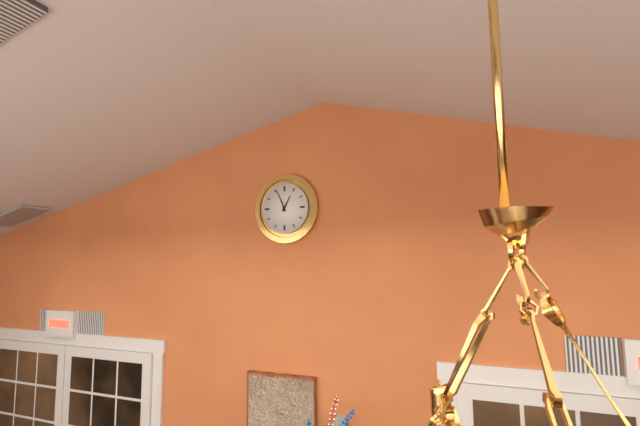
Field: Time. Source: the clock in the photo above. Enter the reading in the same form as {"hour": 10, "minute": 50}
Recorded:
{"hour": 12, "minute": 56}
